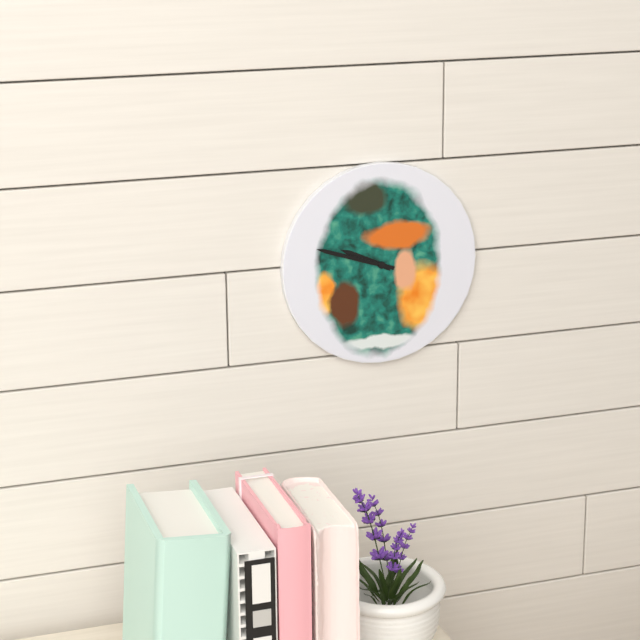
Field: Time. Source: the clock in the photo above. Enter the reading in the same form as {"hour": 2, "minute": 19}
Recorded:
{"hour": 9, "minute": 48}
